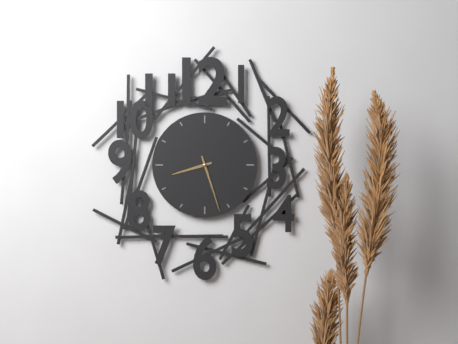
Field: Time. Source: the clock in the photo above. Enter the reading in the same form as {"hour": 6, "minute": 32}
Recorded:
{"hour": 8, "minute": 27}
